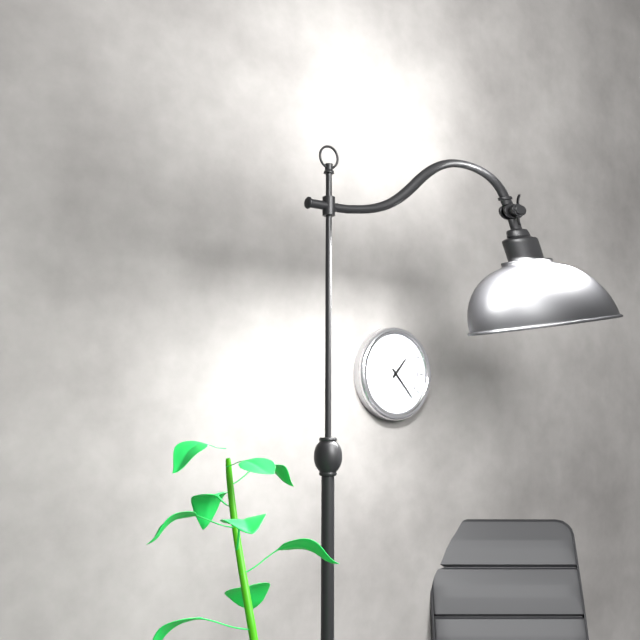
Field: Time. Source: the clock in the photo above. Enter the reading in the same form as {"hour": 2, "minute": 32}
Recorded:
{"hour": 1, "minute": 23}
